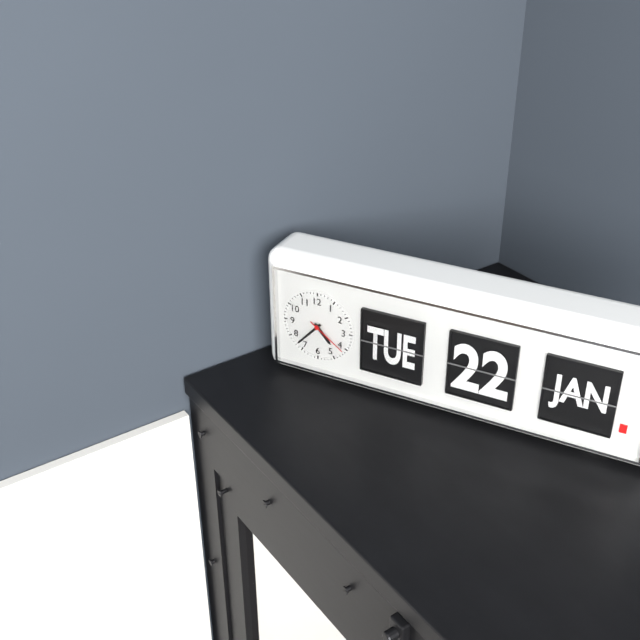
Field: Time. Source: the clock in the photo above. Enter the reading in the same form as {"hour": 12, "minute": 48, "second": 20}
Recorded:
{"hour": 4, "minute": 37, "second": 21}
